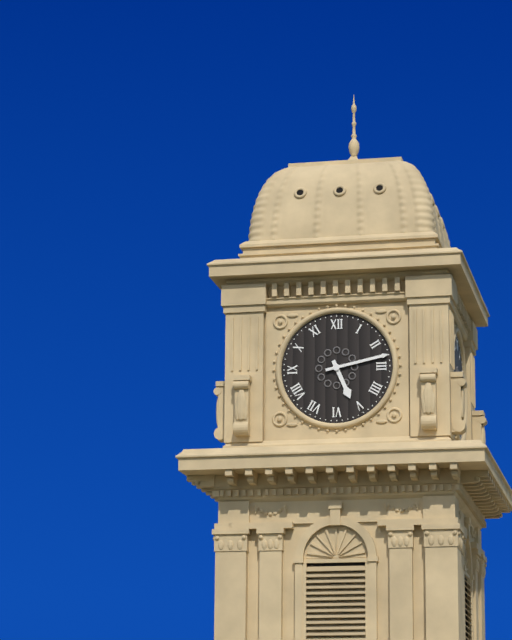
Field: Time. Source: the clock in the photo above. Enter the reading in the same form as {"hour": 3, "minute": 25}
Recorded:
{"hour": 5, "minute": 13}
